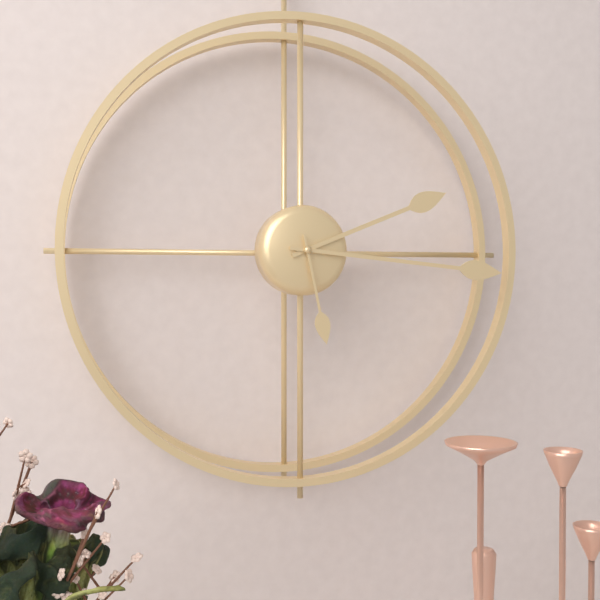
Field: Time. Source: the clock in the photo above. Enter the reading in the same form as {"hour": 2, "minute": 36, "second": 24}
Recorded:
{"hour": 2, "minute": 16, "second": 28}
